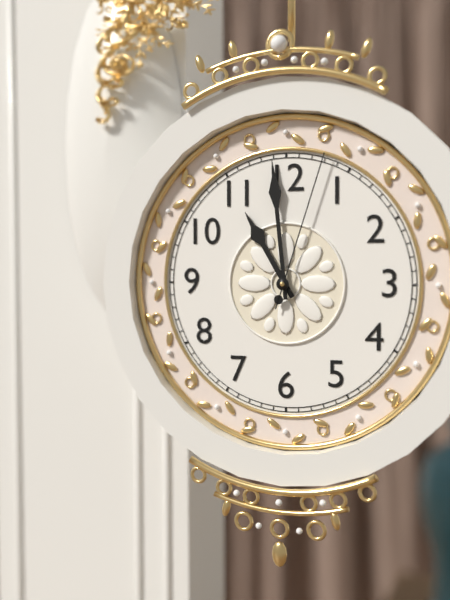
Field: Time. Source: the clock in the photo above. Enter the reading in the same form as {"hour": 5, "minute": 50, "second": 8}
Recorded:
{"hour": 10, "minute": 59, "second": 3}
